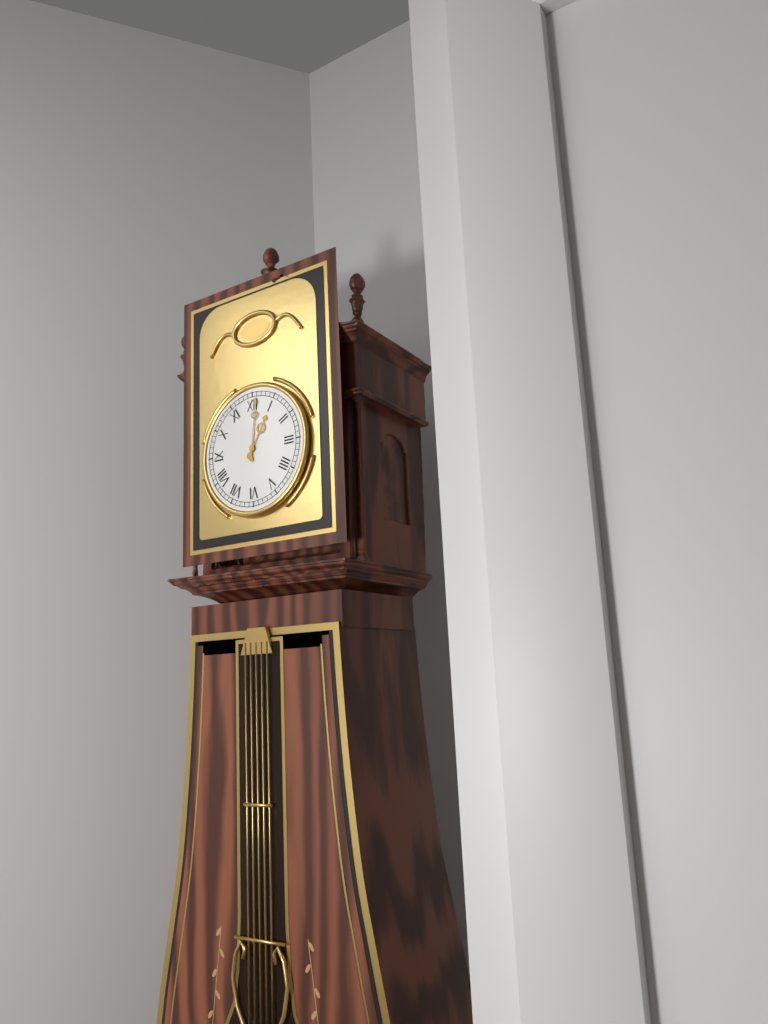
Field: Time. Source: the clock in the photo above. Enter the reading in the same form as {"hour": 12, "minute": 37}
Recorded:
{"hour": 1, "minute": 1}
